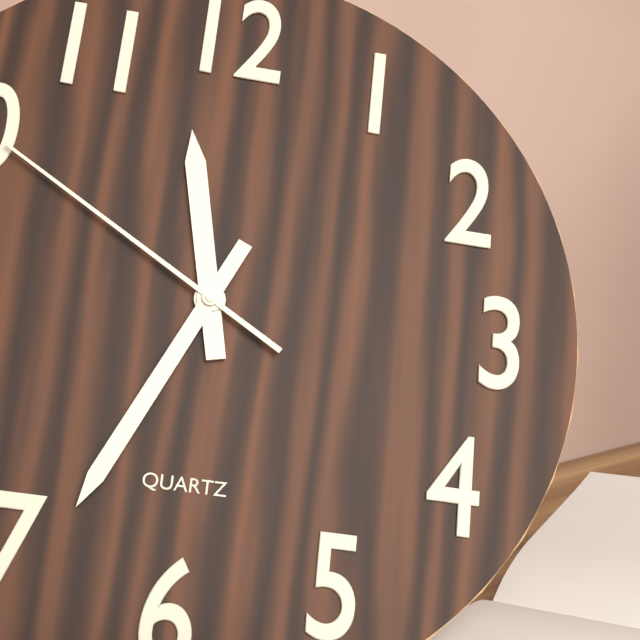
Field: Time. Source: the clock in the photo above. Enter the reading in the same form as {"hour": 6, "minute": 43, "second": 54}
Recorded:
{"hour": 11, "minute": 34, "second": 50}
